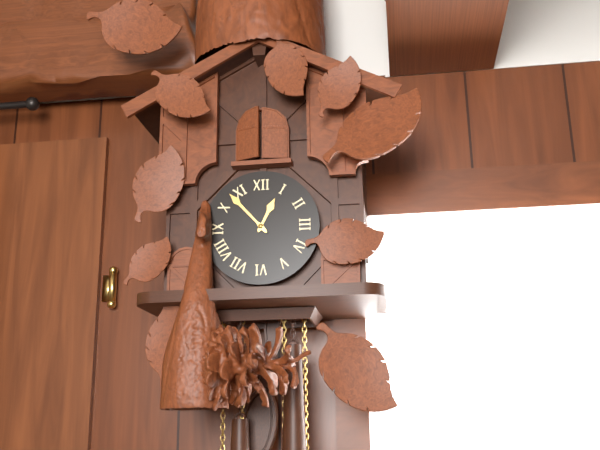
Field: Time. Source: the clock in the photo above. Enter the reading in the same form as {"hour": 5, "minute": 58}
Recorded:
{"hour": 12, "minute": 53}
